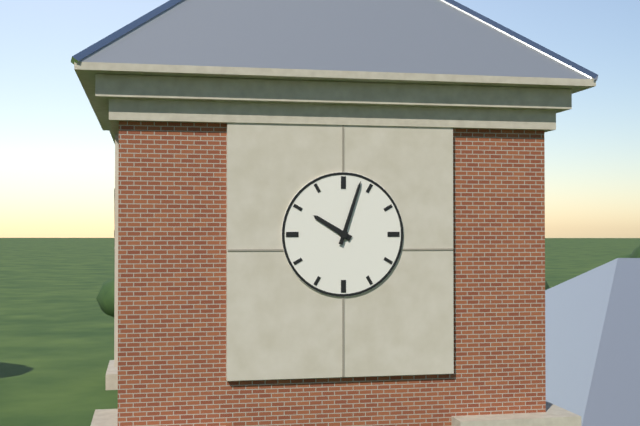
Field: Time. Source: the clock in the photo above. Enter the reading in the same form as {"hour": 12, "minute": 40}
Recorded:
{"hour": 10, "minute": 3}
